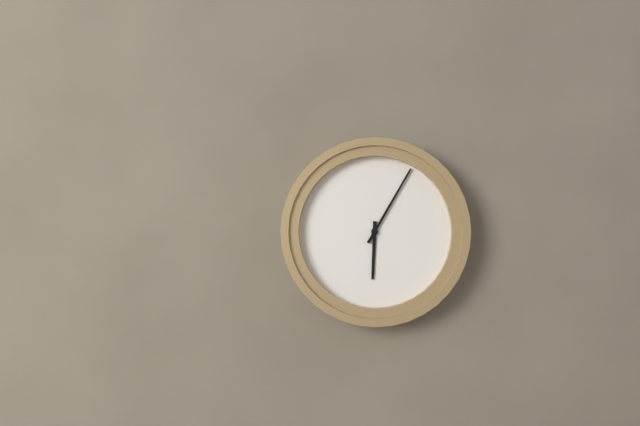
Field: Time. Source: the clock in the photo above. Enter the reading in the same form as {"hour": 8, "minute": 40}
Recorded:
{"hour": 6, "minute": 5}
